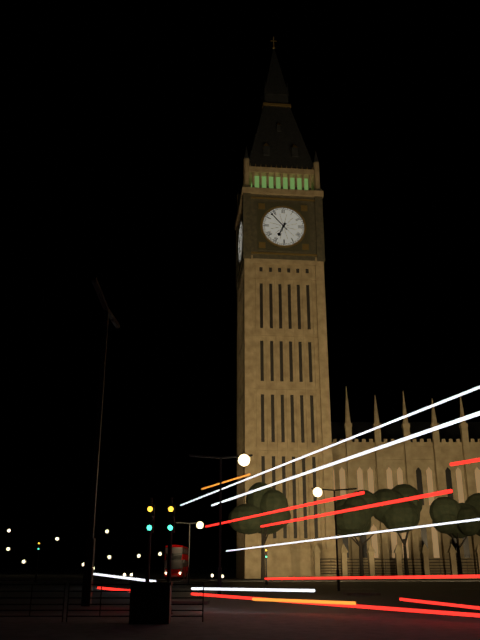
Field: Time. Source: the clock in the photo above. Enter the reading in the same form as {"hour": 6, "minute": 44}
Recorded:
{"hour": 6, "minute": 53}
